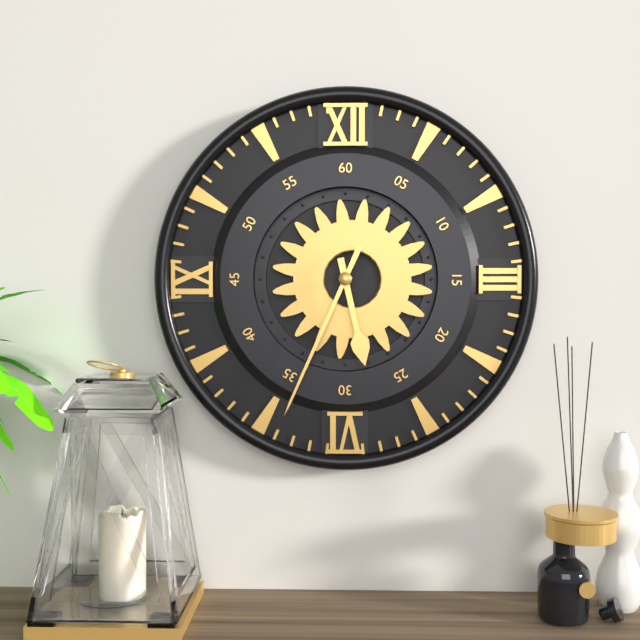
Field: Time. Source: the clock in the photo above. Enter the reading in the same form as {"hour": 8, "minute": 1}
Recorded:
{"hour": 5, "minute": 34}
